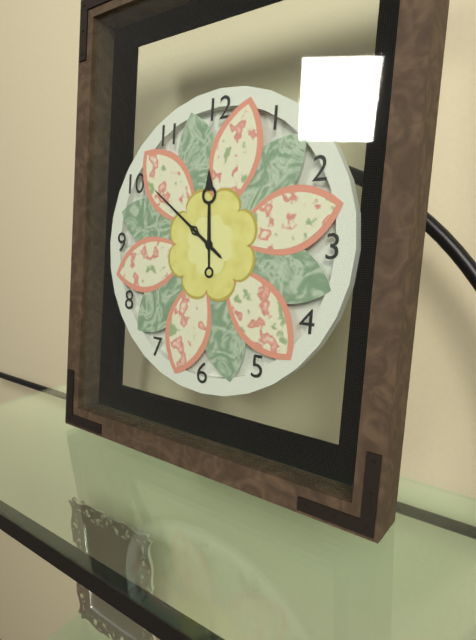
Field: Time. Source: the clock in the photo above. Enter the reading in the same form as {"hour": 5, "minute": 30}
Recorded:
{"hour": 11, "minute": 51}
